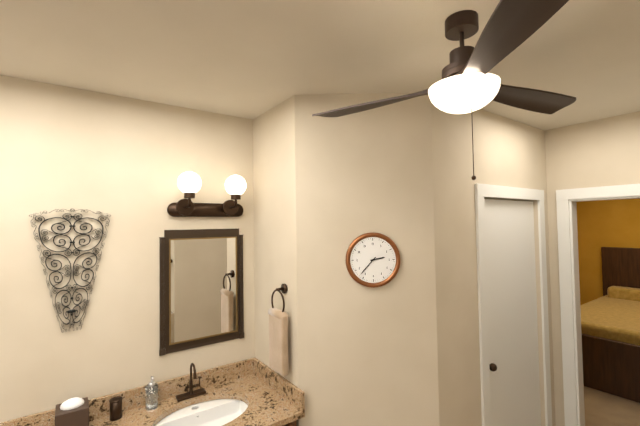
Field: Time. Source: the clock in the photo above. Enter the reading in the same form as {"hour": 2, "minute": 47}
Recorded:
{"hour": 2, "minute": 37}
